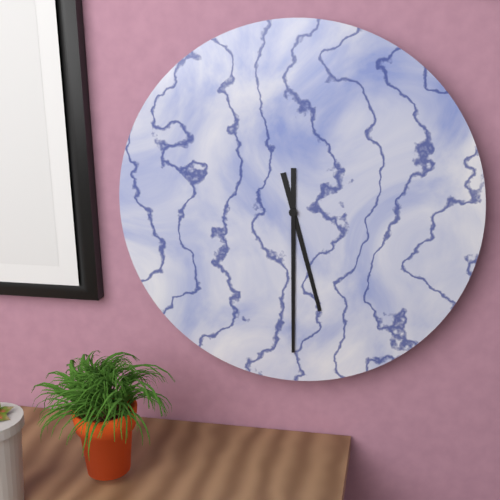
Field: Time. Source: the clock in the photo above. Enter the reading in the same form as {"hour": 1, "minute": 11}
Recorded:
{"hour": 5, "minute": 30}
